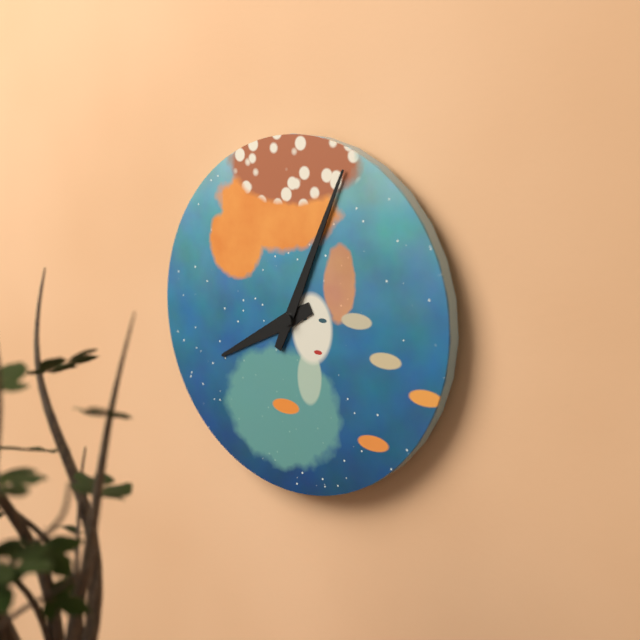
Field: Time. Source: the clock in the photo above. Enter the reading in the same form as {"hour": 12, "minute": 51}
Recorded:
{"hour": 8, "minute": 4}
